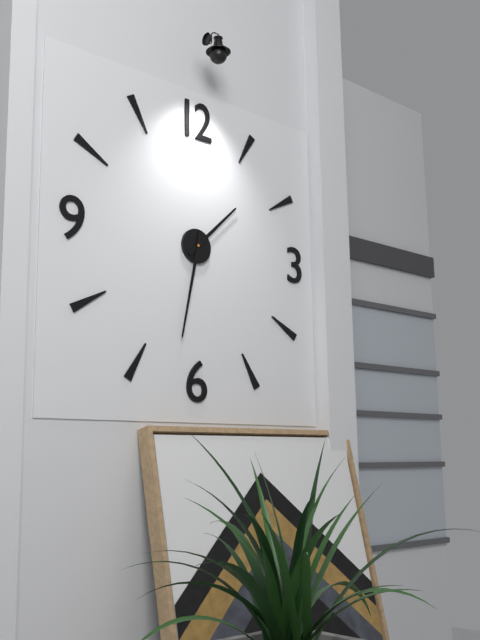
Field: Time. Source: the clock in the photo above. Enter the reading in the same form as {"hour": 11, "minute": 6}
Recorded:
{"hour": 1, "minute": 32}
